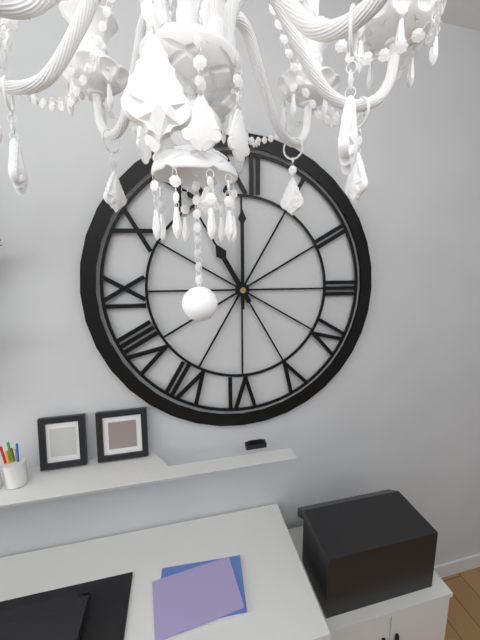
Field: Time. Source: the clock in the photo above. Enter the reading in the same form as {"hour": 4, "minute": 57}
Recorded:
{"hour": 11, "minute": 0}
